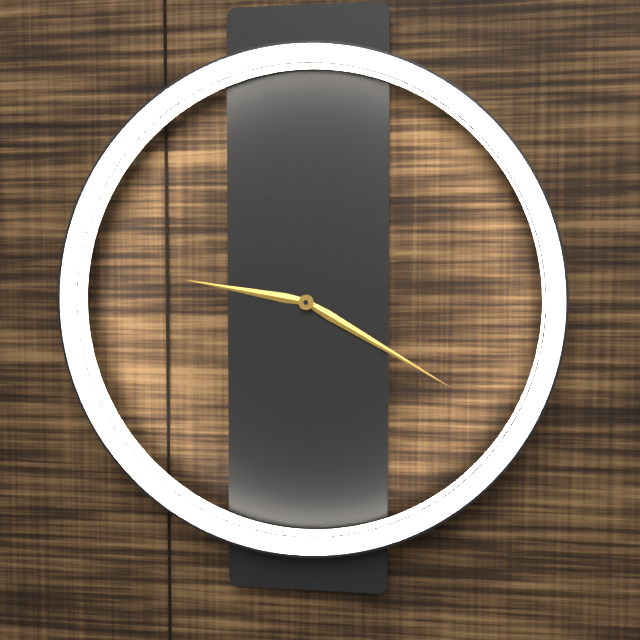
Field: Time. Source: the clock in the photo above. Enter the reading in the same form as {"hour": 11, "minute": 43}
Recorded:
{"hour": 9, "minute": 20}
